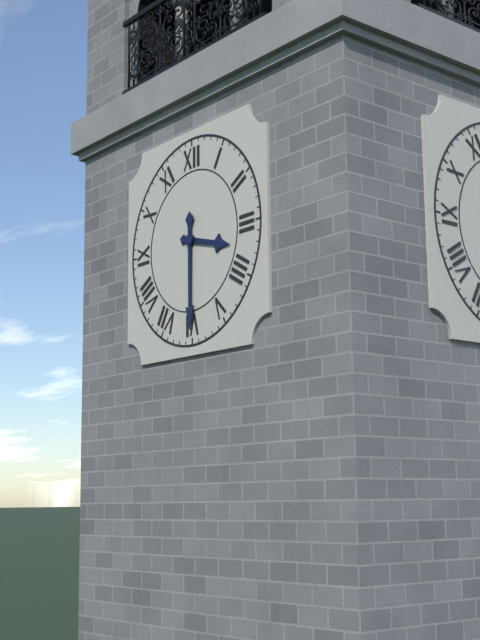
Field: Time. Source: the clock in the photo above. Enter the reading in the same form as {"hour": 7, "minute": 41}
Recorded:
{"hour": 3, "minute": 30}
